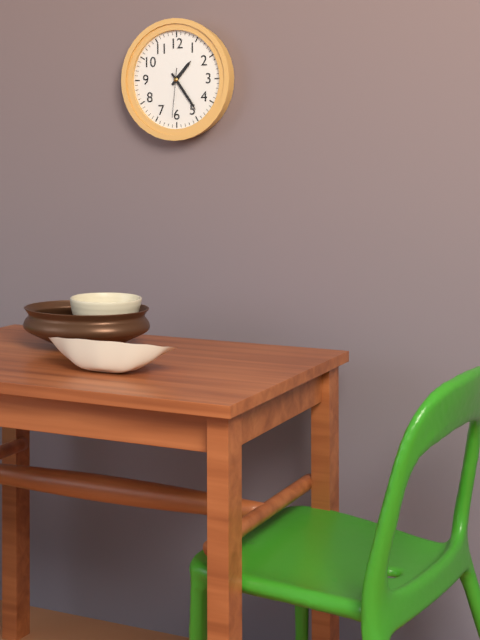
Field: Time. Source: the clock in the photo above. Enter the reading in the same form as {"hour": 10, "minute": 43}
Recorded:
{"hour": 1, "minute": 24}
